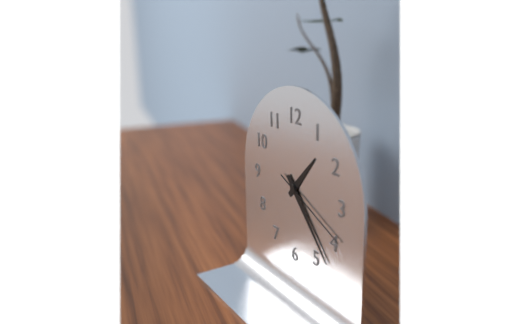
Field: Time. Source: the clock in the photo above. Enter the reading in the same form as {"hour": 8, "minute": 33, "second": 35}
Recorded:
{"hour": 1, "minute": 23, "second": 19}
